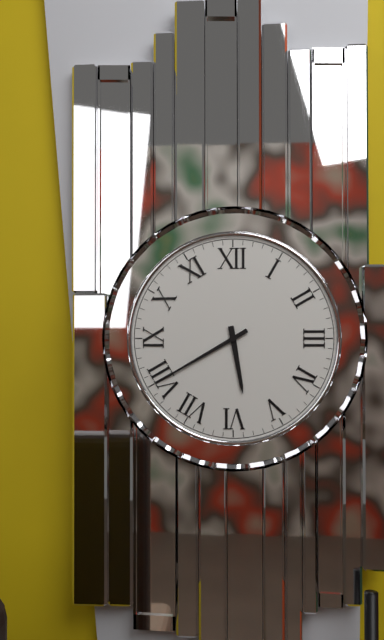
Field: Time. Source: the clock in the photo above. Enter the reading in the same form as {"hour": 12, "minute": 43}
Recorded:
{"hour": 5, "minute": 40}
